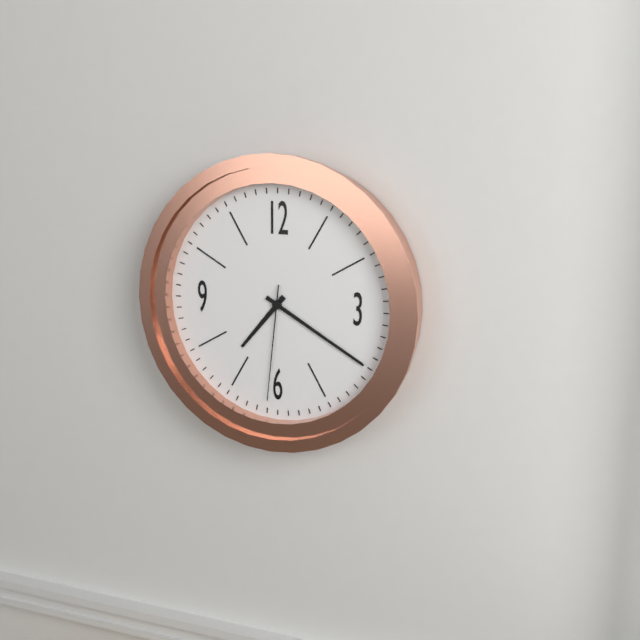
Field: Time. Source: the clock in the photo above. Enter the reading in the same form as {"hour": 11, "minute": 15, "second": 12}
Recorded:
{"hour": 7, "minute": 20, "second": 31}
